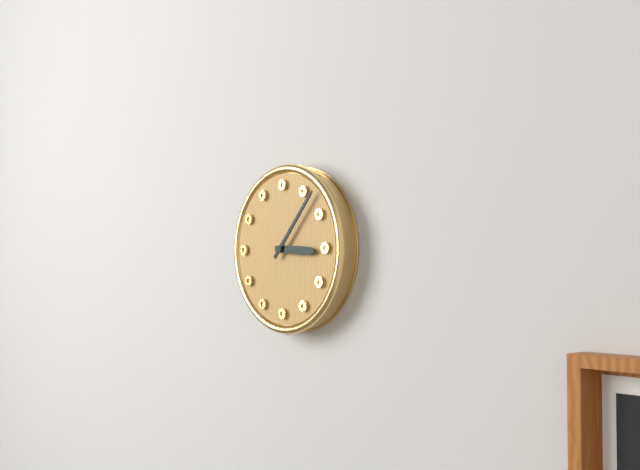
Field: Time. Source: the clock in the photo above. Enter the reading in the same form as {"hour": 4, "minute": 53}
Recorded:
{"hour": 3, "minute": 7}
